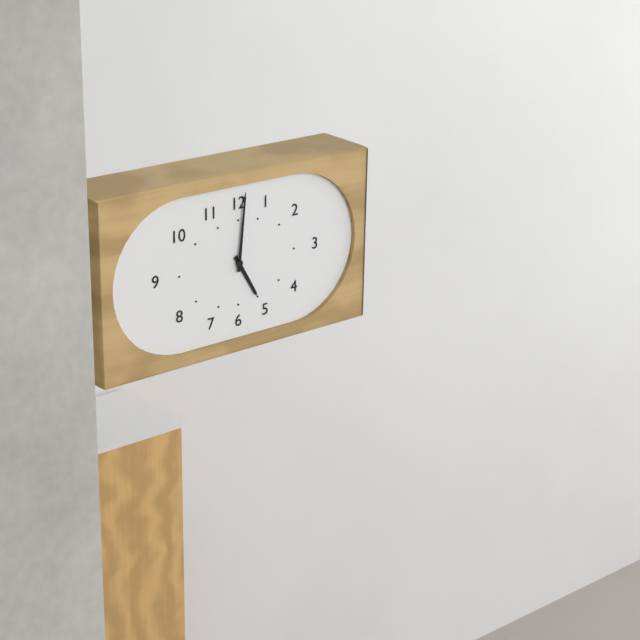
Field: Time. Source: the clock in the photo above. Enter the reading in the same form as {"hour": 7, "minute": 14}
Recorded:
{"hour": 5, "minute": 1}
